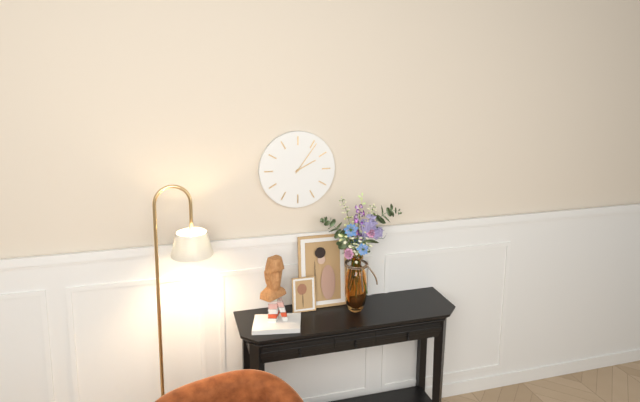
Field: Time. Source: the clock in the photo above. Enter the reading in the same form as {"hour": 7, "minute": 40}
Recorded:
{"hour": 2, "minute": 6}
